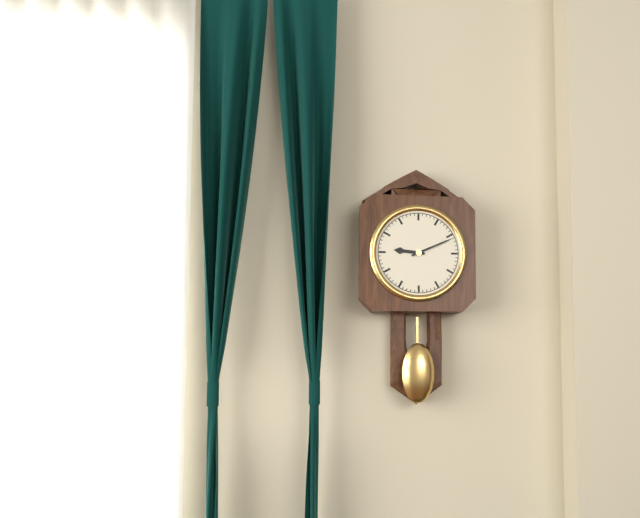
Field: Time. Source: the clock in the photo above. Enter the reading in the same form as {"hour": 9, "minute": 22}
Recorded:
{"hour": 9, "minute": 11}
